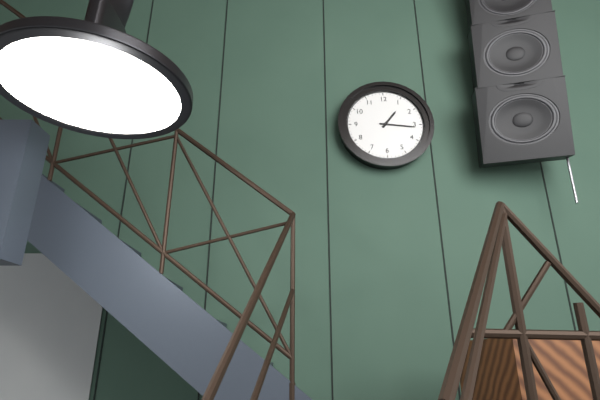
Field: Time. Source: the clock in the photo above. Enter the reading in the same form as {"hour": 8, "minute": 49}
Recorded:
{"hour": 1, "minute": 16}
